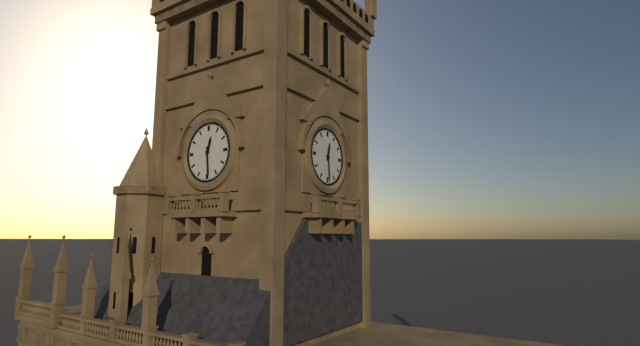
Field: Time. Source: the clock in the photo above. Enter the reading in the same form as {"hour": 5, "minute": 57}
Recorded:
{"hour": 12, "minute": 29}
